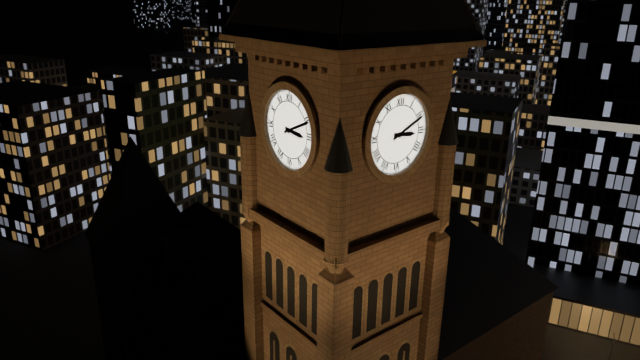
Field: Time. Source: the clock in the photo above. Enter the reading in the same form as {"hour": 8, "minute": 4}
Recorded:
{"hour": 3, "minute": 11}
